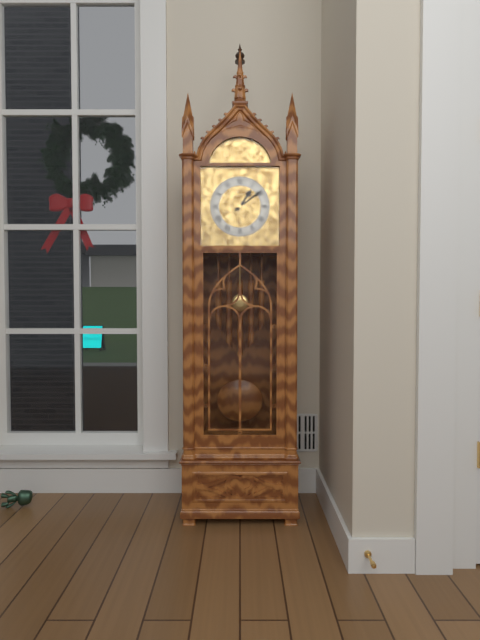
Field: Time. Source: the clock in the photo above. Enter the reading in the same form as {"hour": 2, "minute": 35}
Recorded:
{"hour": 1, "minute": 9}
